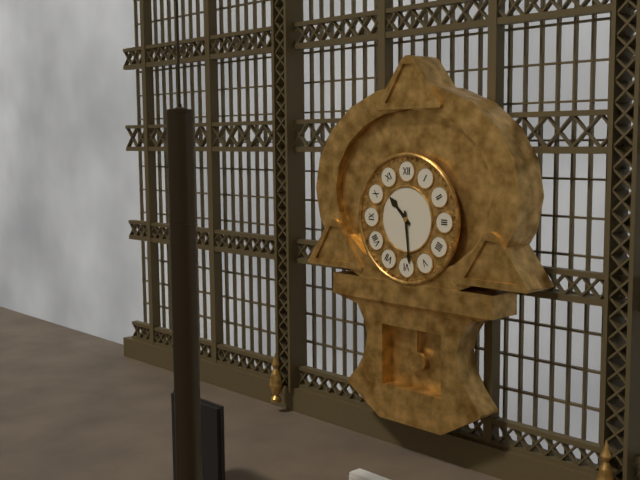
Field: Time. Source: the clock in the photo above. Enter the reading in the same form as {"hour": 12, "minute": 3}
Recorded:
{"hour": 10, "minute": 29}
